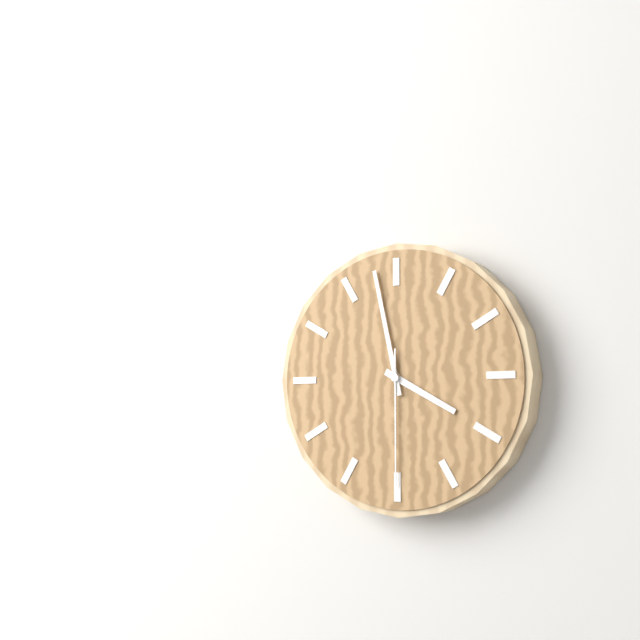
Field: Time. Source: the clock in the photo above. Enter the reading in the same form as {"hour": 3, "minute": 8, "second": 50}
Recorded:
{"hour": 3, "minute": 58, "second": 30}
